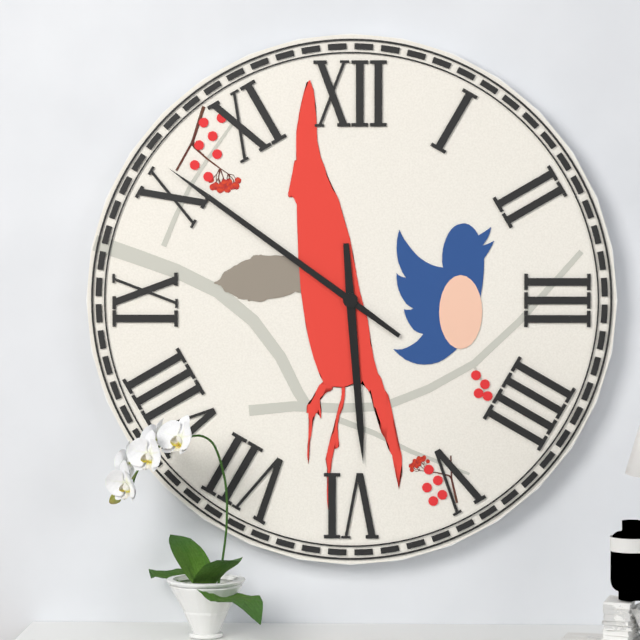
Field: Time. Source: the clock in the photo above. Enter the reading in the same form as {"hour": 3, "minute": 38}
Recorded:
{"hour": 5, "minute": 51}
